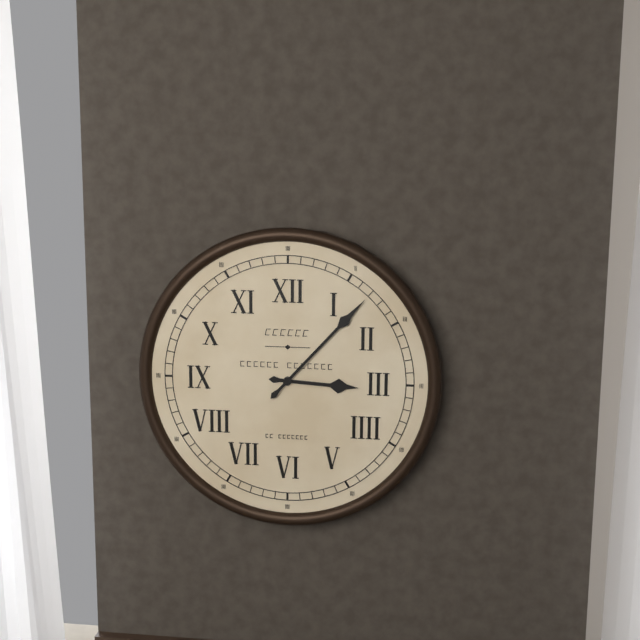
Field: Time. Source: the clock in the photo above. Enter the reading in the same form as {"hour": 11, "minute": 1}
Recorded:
{"hour": 3, "minute": 7}
